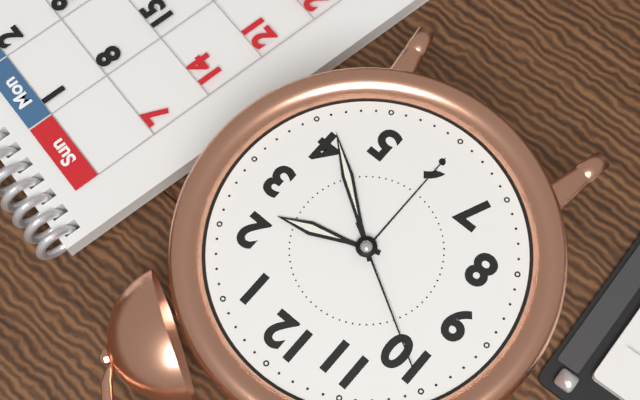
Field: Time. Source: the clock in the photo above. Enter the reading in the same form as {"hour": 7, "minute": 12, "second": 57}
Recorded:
{"hour": 2, "minute": 21, "second": 50}
